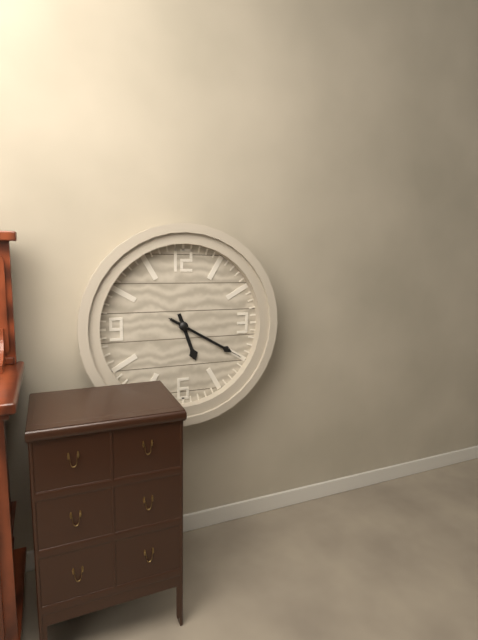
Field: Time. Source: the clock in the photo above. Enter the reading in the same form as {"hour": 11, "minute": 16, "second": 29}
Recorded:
{"hour": 5, "minute": 20, "second": 20}
